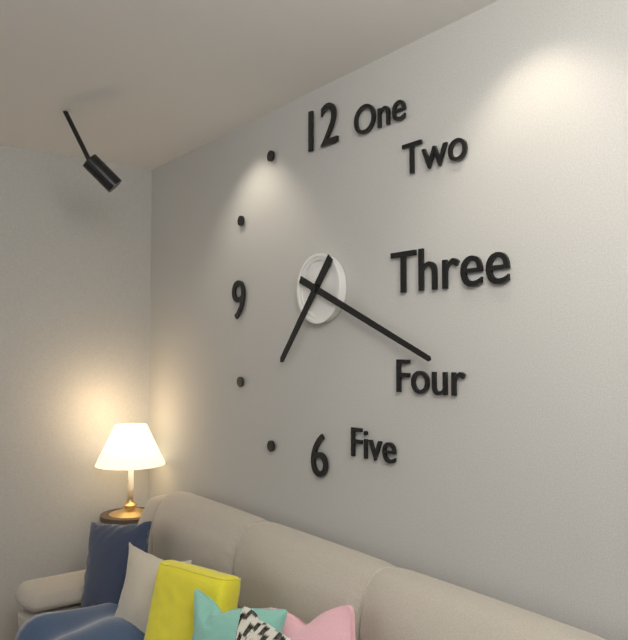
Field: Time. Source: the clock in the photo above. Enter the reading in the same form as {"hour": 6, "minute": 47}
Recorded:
{"hour": 7, "minute": 19}
